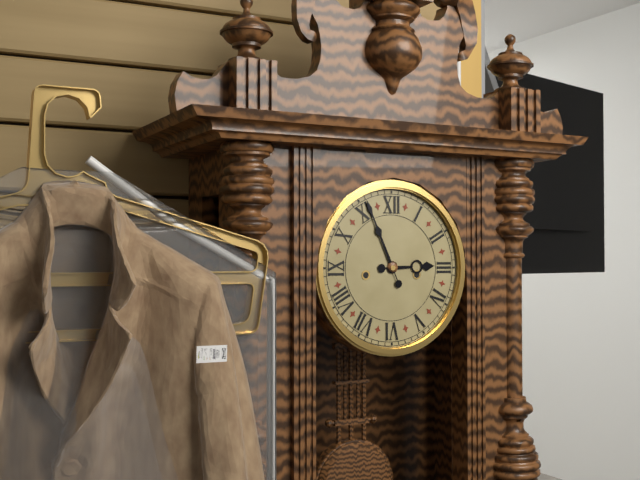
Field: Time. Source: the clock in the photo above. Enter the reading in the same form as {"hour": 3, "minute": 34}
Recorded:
{"hour": 2, "minute": 56}
